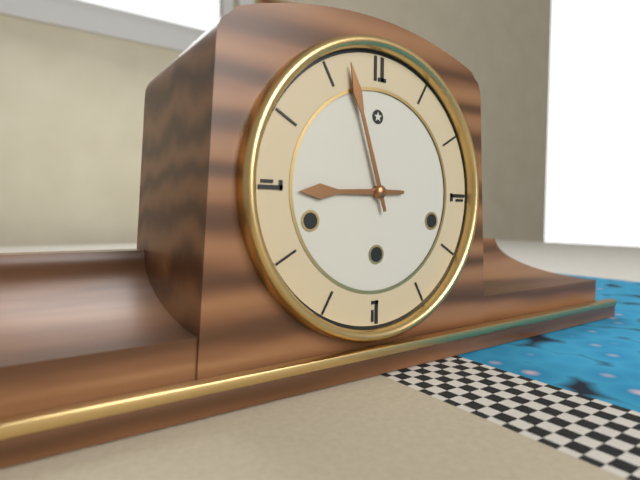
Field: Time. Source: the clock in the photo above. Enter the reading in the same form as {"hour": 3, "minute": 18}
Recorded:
{"hour": 8, "minute": 57}
